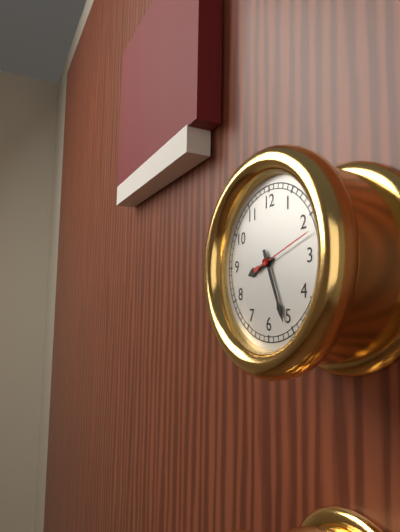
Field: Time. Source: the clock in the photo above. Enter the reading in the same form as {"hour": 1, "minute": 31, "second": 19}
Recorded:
{"hour": 8, "minute": 26, "second": 12}
